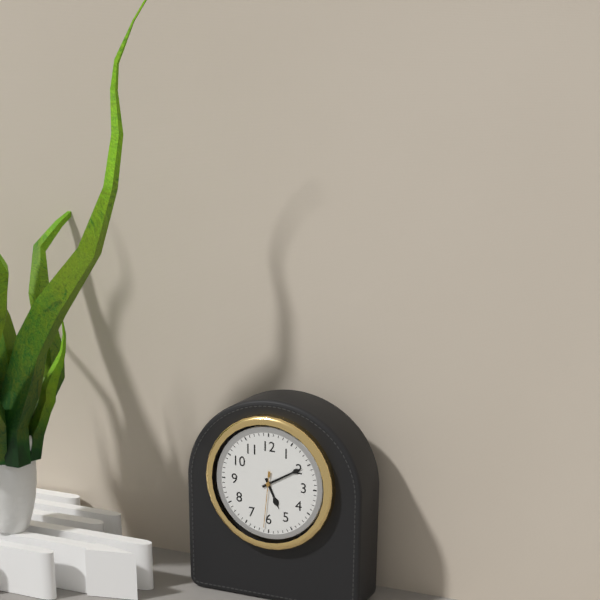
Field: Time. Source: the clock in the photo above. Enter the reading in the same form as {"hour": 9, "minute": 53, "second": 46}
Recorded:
{"hour": 5, "minute": 10, "second": 31}
